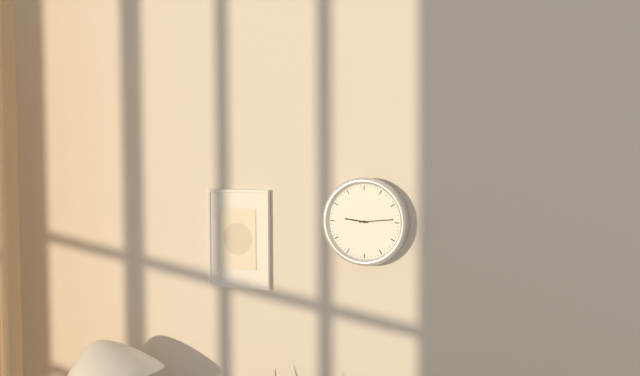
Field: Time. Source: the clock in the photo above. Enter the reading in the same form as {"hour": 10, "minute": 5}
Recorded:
{"hour": 9, "minute": 14}
